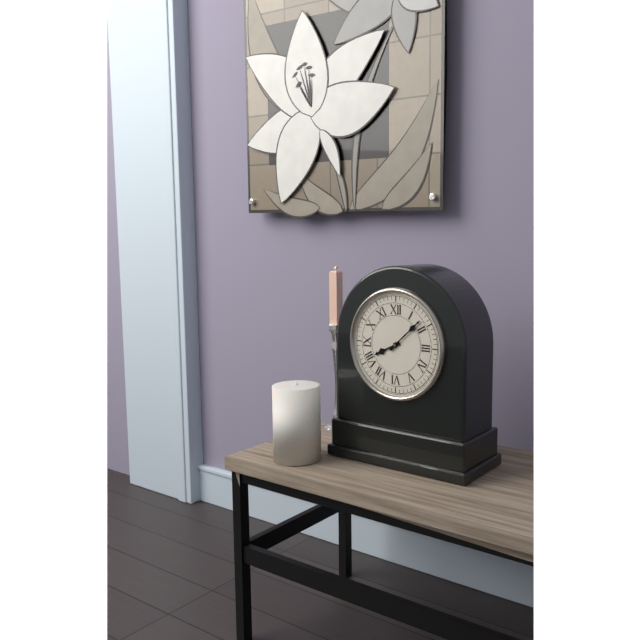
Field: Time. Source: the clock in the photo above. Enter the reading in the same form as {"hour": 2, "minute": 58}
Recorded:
{"hour": 8, "minute": 8}
